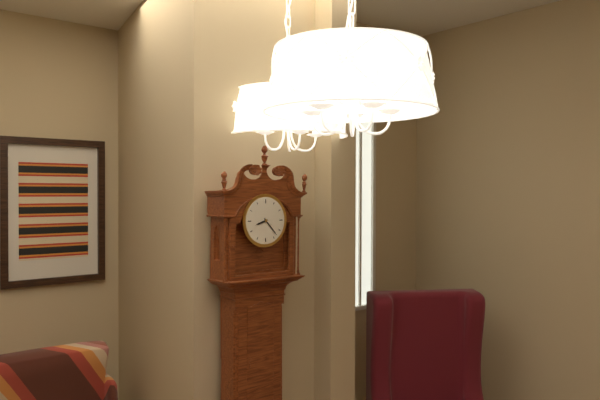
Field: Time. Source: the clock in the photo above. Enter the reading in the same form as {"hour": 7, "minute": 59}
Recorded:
{"hour": 8, "minute": 23}
